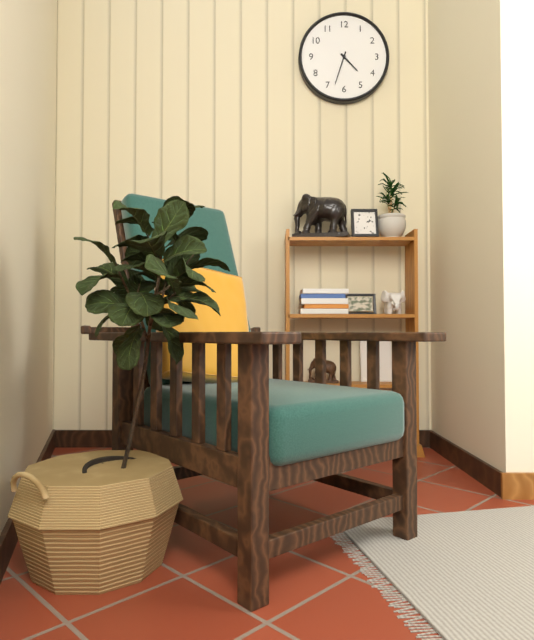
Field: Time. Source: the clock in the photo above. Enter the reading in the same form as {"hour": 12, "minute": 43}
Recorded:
{"hour": 4, "minute": 33}
